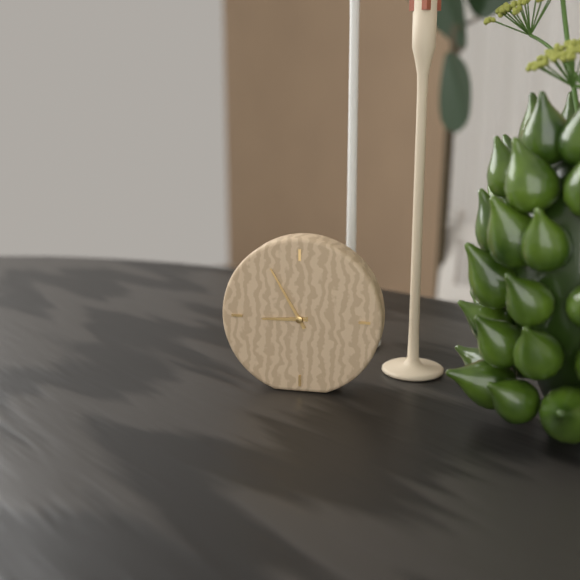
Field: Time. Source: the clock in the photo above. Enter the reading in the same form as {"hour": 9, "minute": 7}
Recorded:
{"hour": 8, "minute": 55}
